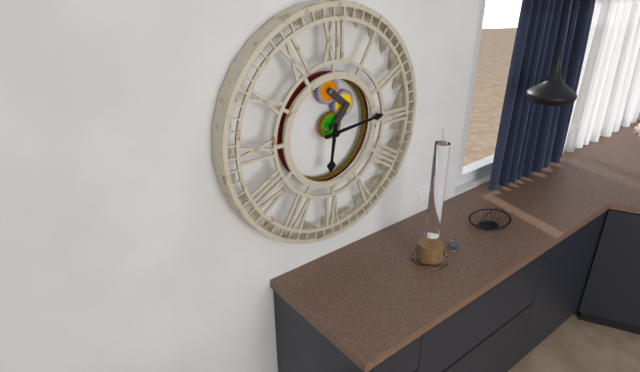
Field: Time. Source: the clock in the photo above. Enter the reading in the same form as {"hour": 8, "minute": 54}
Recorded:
{"hour": 6, "minute": 14}
